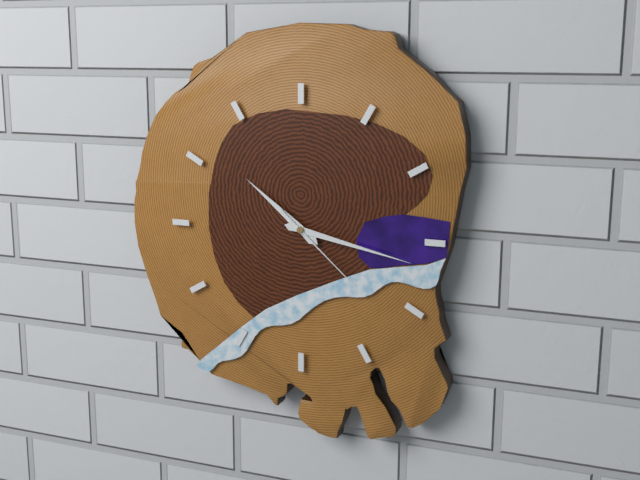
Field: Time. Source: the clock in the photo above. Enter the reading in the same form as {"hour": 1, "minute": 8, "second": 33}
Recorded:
{"hour": 10, "minute": 17, "second": 22}
